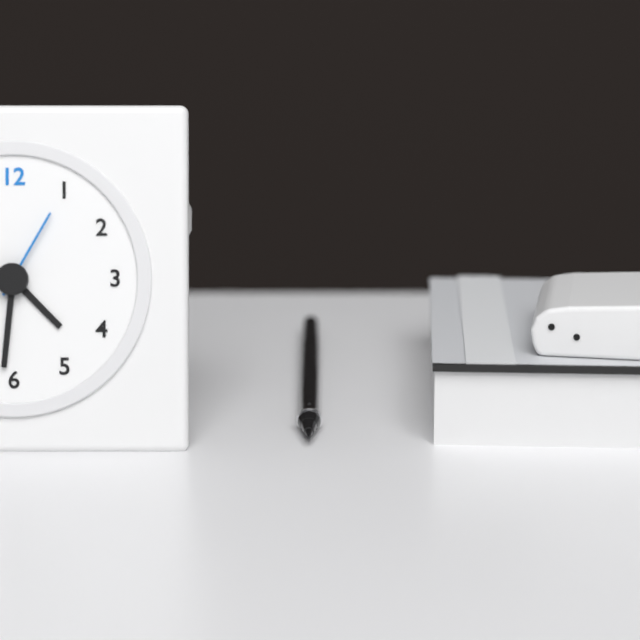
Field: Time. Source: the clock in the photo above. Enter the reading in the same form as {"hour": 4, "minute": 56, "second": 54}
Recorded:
{"hour": 4, "minute": 31, "second": 5}
